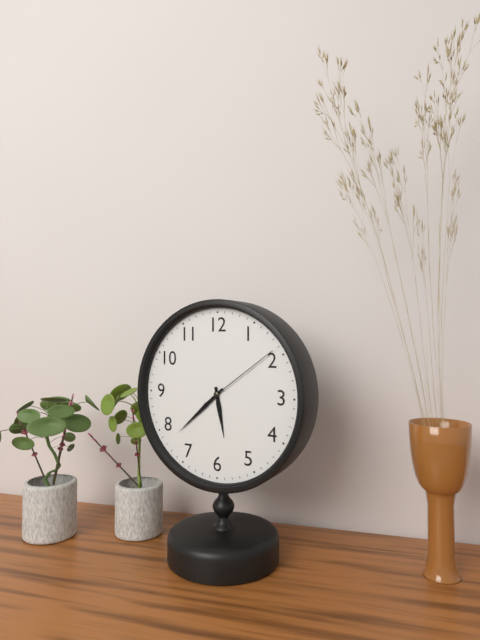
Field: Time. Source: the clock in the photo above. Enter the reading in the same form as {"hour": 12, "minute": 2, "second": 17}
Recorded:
{"hour": 5, "minute": 38, "second": 9}
